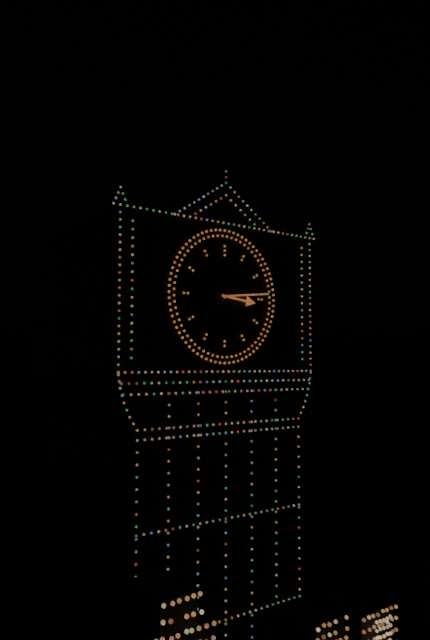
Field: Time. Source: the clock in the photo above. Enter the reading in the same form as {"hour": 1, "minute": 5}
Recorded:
{"hour": 3, "minute": 14}
